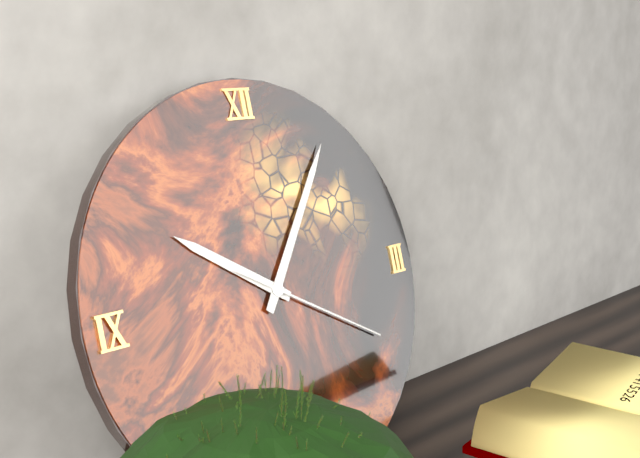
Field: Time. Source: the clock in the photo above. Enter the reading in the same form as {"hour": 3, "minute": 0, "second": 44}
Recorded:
{"hour": 10, "minute": 6, "second": 20}
